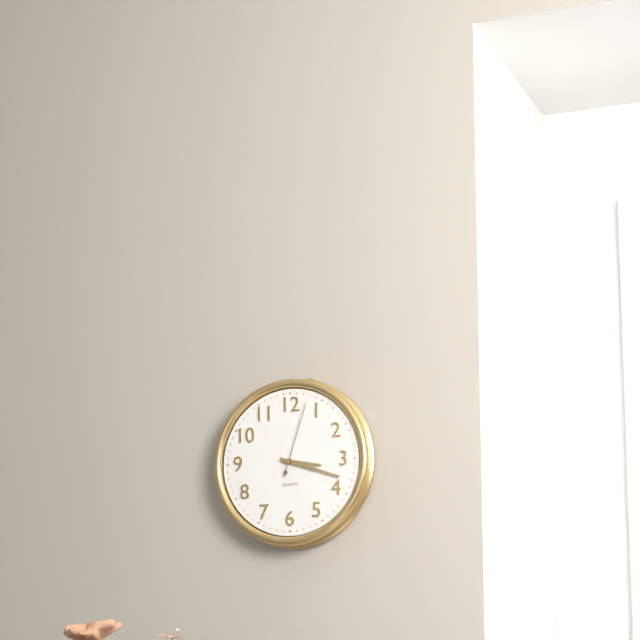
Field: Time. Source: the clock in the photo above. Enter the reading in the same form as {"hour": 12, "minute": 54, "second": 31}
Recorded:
{"hour": 3, "minute": 18, "second": 3}
